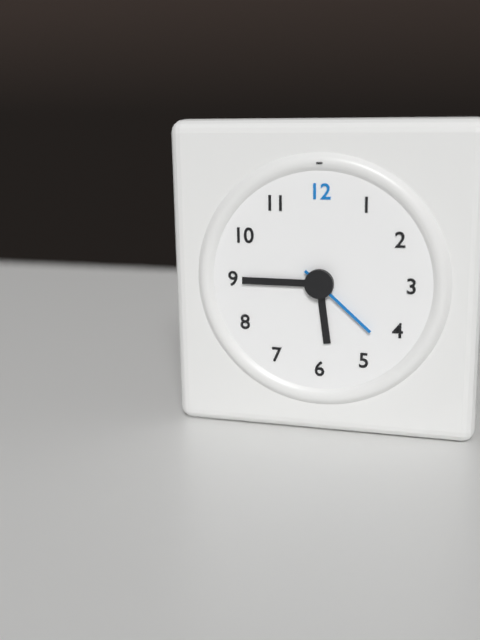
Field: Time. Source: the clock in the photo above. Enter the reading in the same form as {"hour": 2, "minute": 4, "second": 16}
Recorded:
{"hour": 5, "minute": 45, "second": 22}
